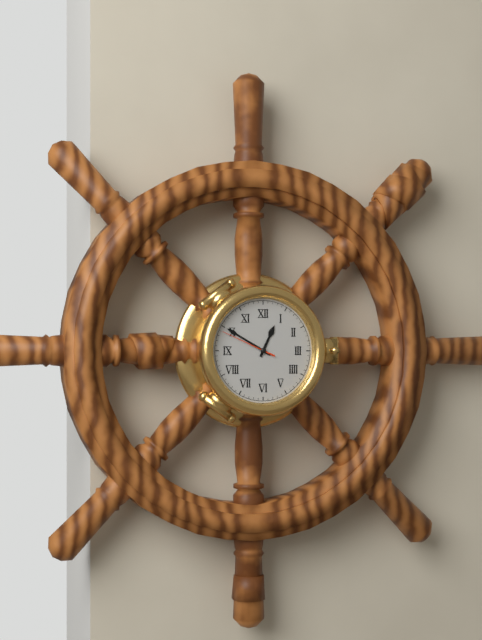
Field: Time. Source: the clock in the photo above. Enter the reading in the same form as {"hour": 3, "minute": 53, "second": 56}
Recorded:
{"hour": 12, "minute": 50, "second": 49}
